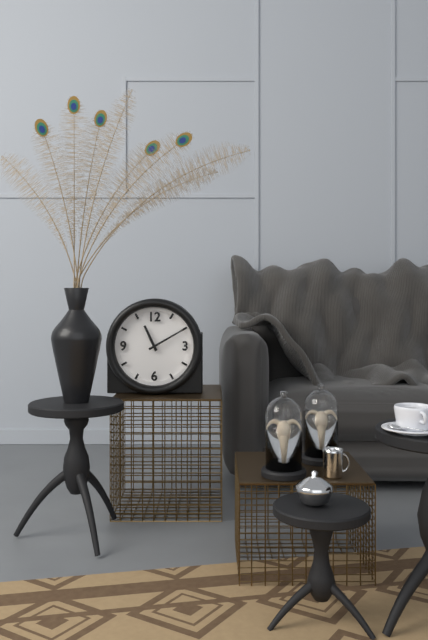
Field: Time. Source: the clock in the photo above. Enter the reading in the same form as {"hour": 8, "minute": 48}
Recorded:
{"hour": 11, "minute": 10}
